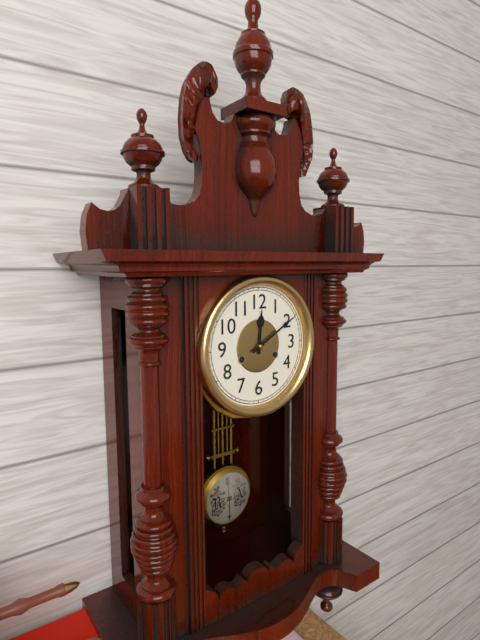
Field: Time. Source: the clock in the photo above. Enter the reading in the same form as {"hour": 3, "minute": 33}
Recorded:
{"hour": 12, "minute": 10}
